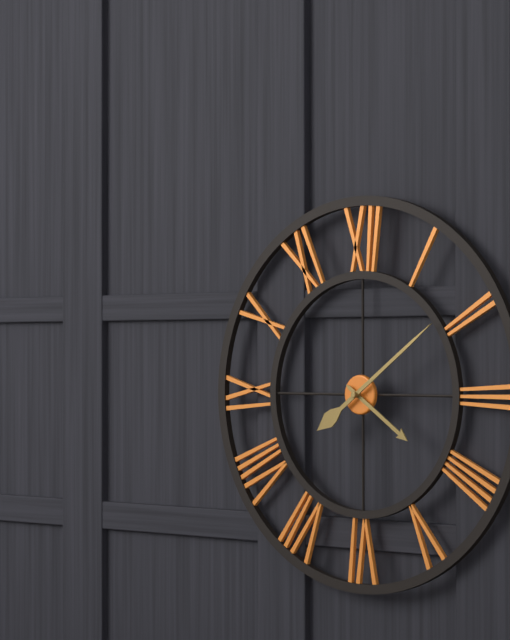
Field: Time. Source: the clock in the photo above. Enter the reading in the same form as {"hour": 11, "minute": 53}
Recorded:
{"hour": 4, "minute": 9}
